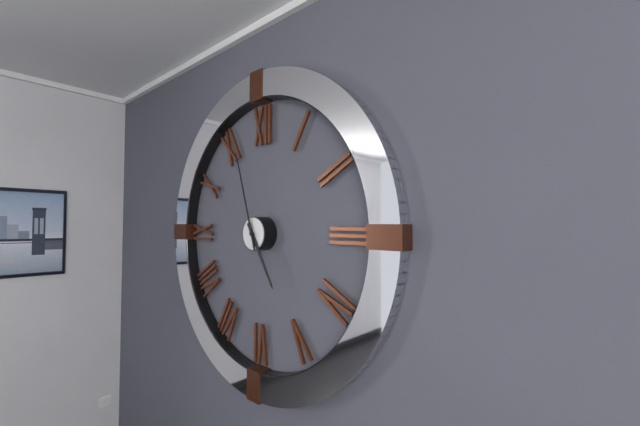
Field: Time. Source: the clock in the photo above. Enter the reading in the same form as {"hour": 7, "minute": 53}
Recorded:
{"hour": 4, "minute": 57}
